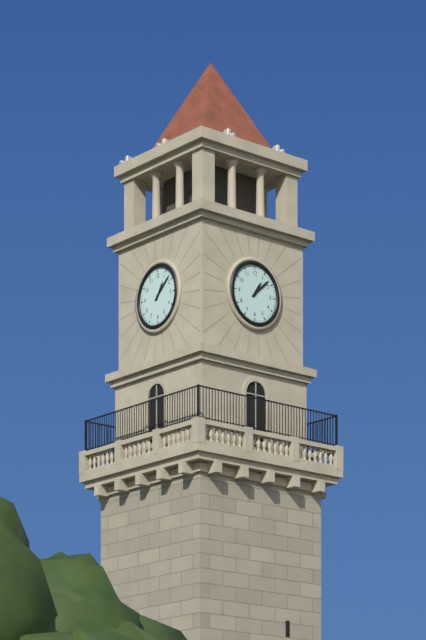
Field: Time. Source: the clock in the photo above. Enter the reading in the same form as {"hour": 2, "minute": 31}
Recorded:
{"hour": 1, "minute": 8}
